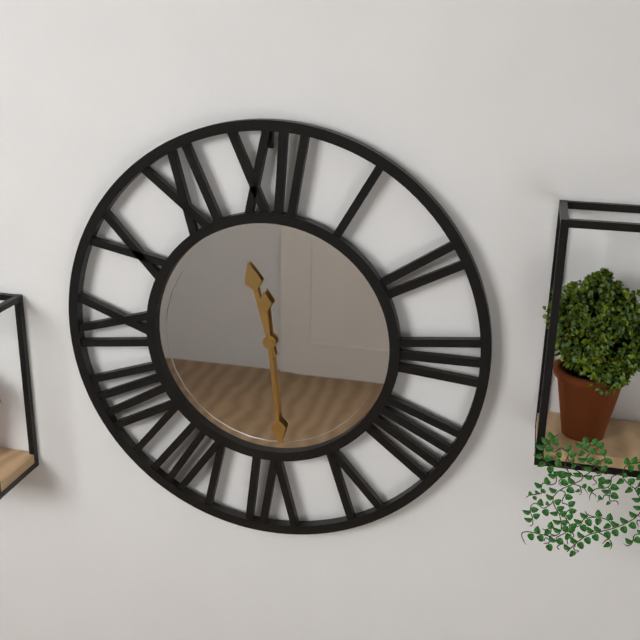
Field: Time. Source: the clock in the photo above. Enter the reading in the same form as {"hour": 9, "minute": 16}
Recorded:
{"hour": 11, "minute": 29}
